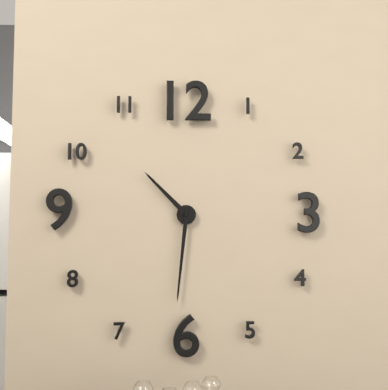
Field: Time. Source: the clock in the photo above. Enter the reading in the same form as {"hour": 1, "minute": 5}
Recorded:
{"hour": 10, "minute": 31}
